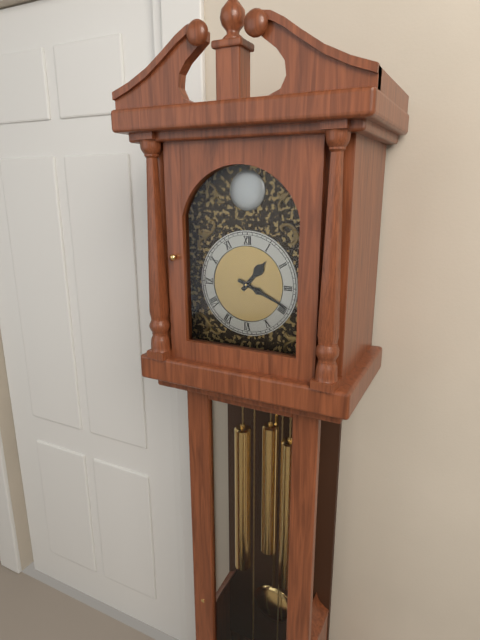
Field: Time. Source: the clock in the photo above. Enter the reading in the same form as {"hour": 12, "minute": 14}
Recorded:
{"hour": 1, "minute": 19}
